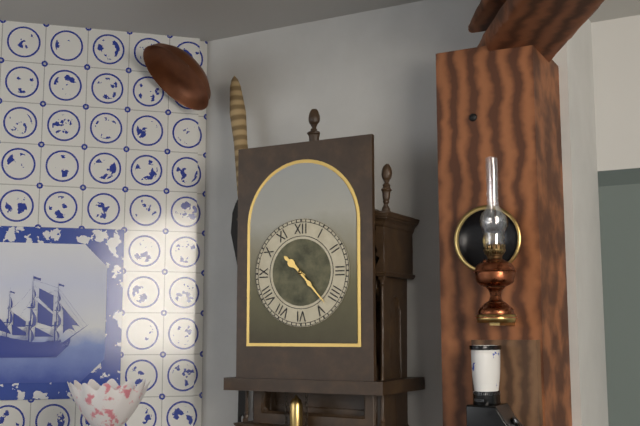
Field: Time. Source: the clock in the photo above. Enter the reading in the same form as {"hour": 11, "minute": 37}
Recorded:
{"hour": 10, "minute": 23}
